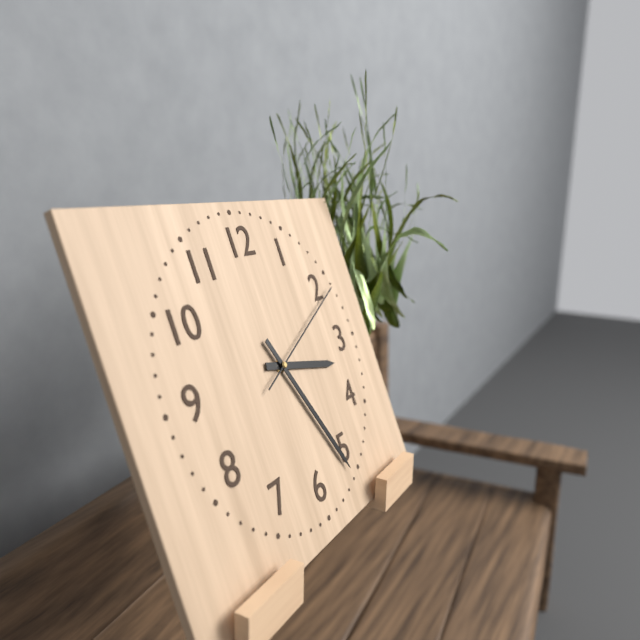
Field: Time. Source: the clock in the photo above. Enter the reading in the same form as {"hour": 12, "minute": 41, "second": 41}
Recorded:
{"hour": 3, "minute": 26, "second": 11}
